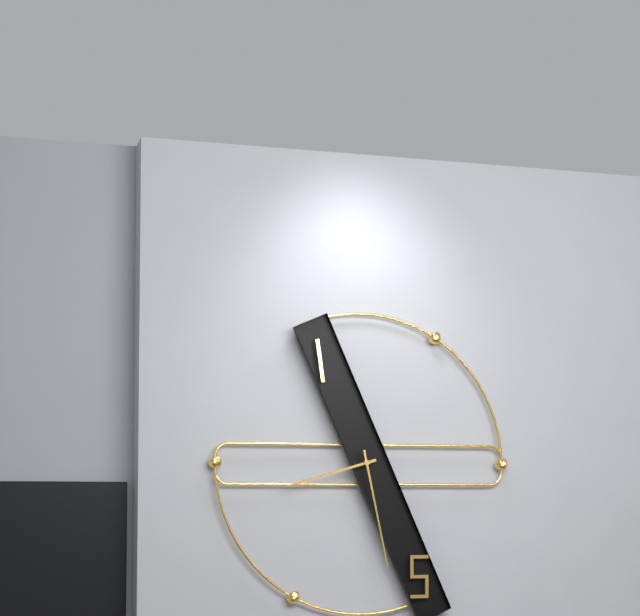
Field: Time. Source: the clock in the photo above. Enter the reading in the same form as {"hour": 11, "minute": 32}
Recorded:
{"hour": 8, "minute": 28}
